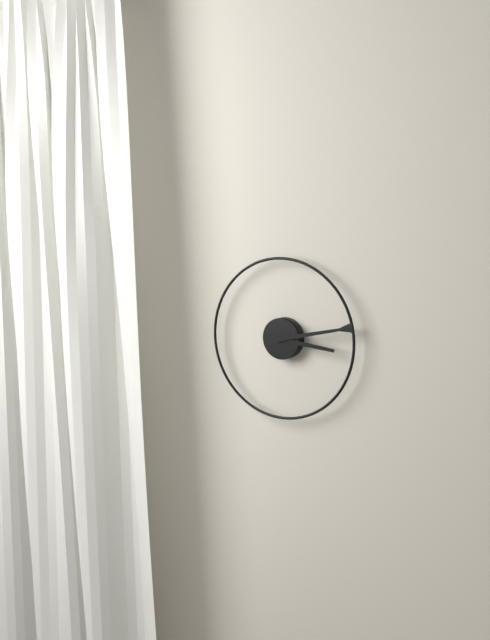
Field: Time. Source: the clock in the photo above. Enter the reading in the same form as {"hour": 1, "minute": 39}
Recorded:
{"hour": 3, "minute": 13}
